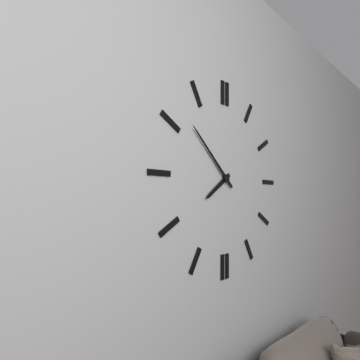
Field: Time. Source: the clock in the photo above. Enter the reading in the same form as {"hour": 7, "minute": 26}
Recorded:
{"hour": 7, "minute": 52}
